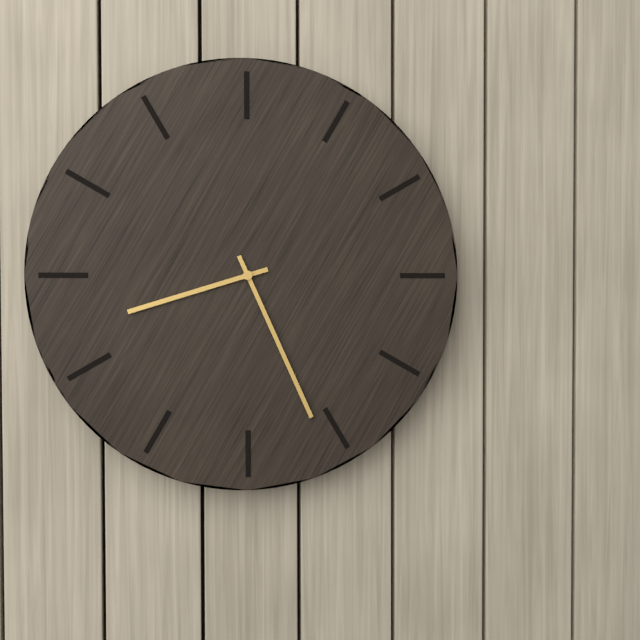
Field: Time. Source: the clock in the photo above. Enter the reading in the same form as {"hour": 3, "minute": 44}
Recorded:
{"hour": 8, "minute": 26}
